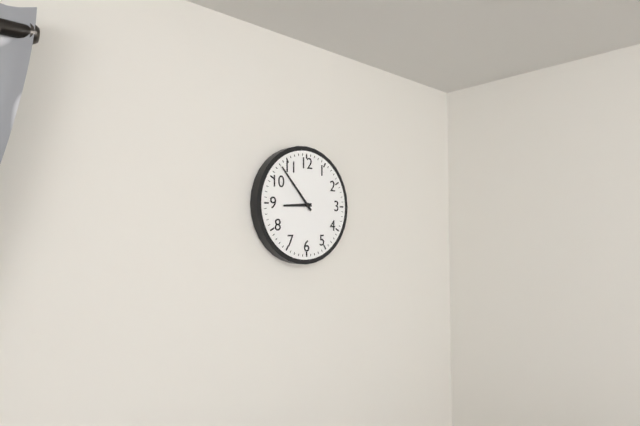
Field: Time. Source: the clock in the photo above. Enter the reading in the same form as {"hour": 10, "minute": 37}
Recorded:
{"hour": 8, "minute": 53}
